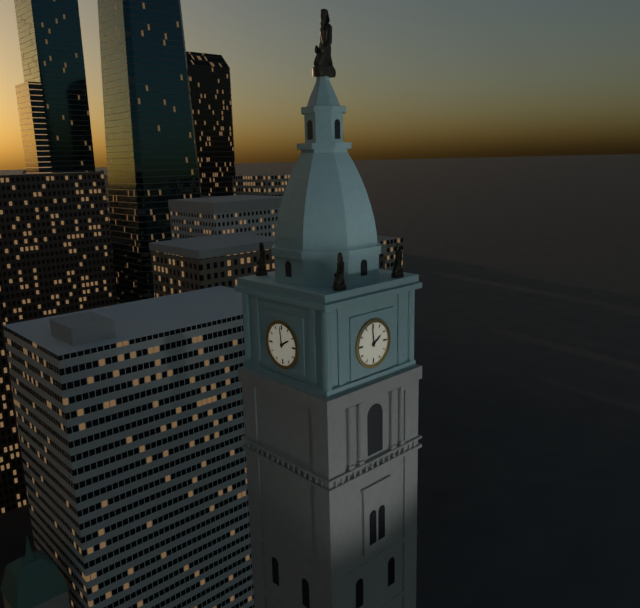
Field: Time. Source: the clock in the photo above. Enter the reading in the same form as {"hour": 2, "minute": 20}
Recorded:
{"hour": 1, "minute": 59}
